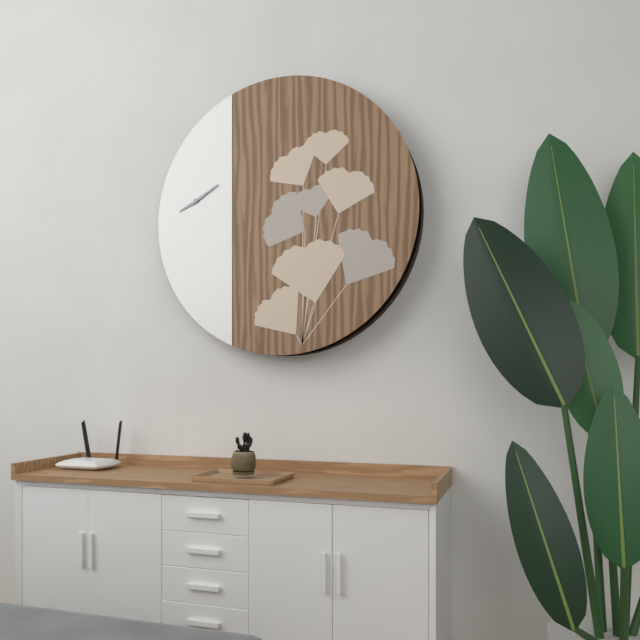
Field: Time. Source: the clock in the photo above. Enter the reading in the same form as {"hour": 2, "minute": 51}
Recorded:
{"hour": 8, "minute": 10}
